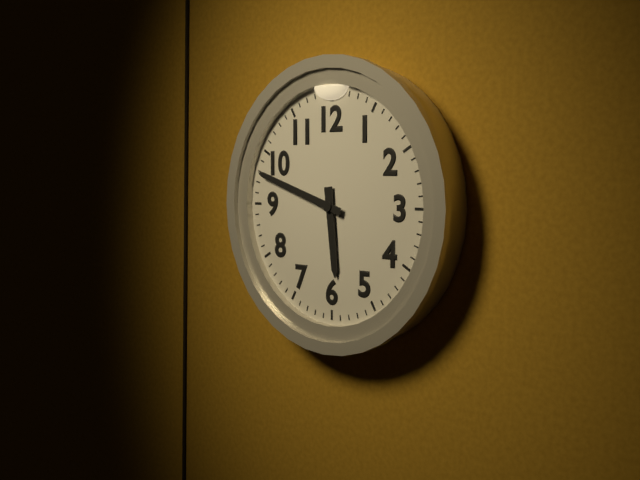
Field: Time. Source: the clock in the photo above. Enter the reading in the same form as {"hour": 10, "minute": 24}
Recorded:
{"hour": 5, "minute": 48}
